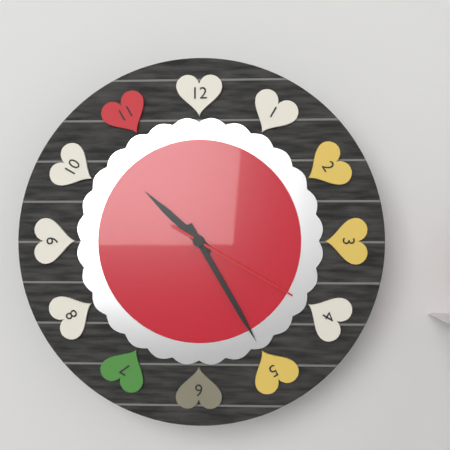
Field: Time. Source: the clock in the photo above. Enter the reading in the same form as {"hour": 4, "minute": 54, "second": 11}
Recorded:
{"hour": 10, "minute": 25, "second": 20}
